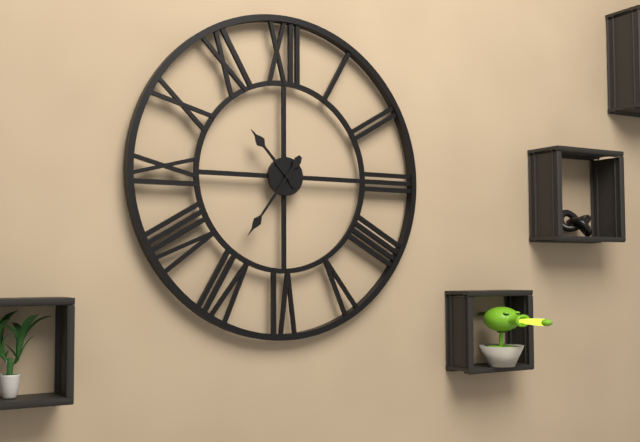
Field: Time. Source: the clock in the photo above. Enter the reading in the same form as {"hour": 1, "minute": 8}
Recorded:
{"hour": 10, "minute": 36}
